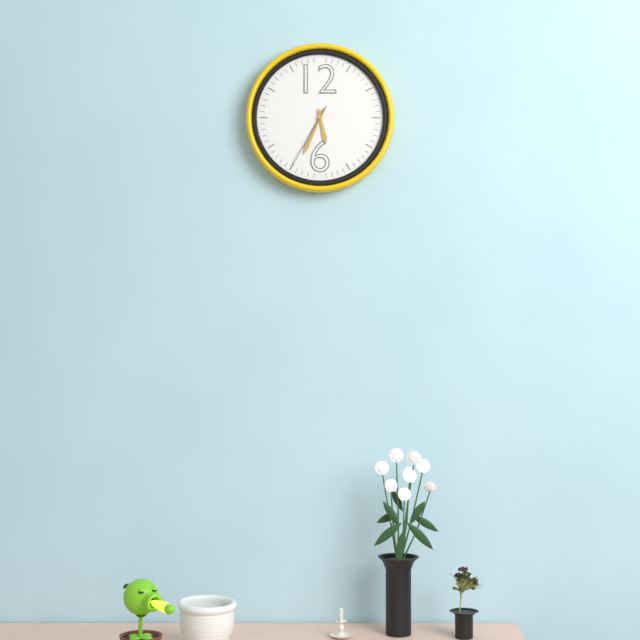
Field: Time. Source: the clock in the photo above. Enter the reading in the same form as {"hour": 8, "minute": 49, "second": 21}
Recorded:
{"hour": 5, "minute": 34, "second": 35}
